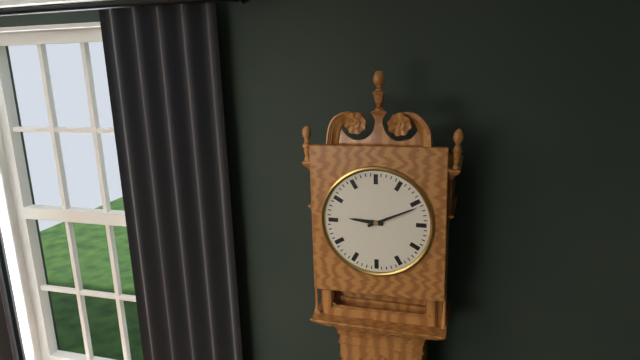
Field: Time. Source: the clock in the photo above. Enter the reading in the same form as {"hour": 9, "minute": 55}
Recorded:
{"hour": 9, "minute": 11}
